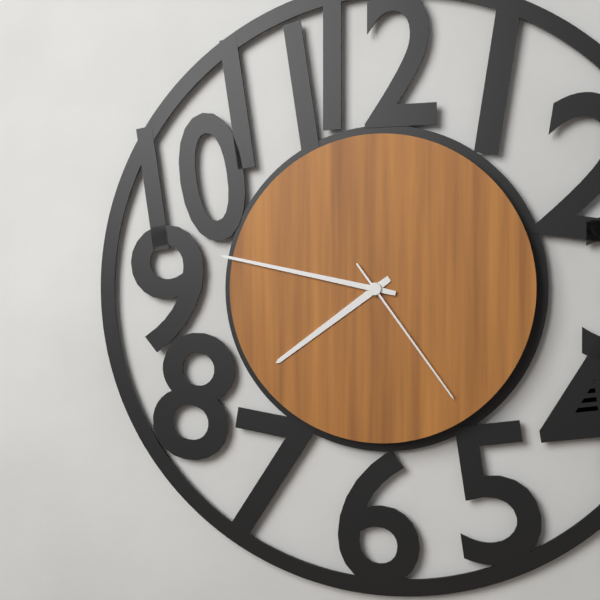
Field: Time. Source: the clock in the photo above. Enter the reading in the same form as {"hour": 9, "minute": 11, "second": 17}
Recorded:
{"hour": 7, "minute": 47, "second": 24}
